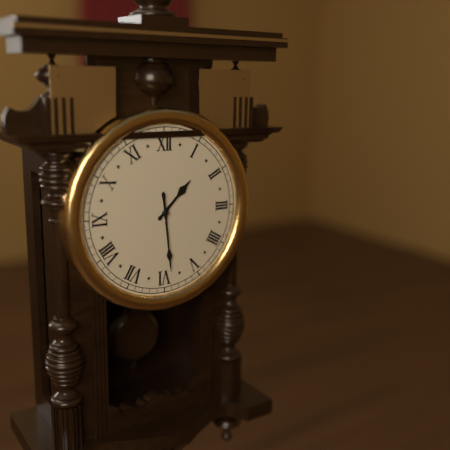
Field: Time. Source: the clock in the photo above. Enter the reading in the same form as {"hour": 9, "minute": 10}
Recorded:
{"hour": 1, "minute": 29}
